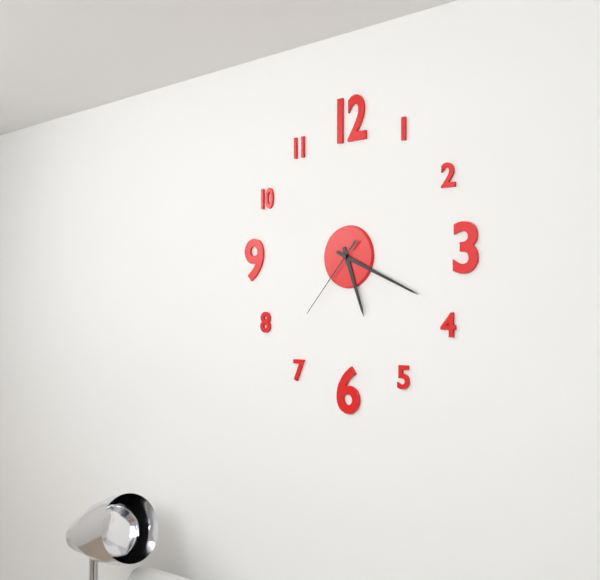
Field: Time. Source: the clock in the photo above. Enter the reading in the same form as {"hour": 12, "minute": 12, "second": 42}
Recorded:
{"hour": 5, "minute": 19, "second": 37}
